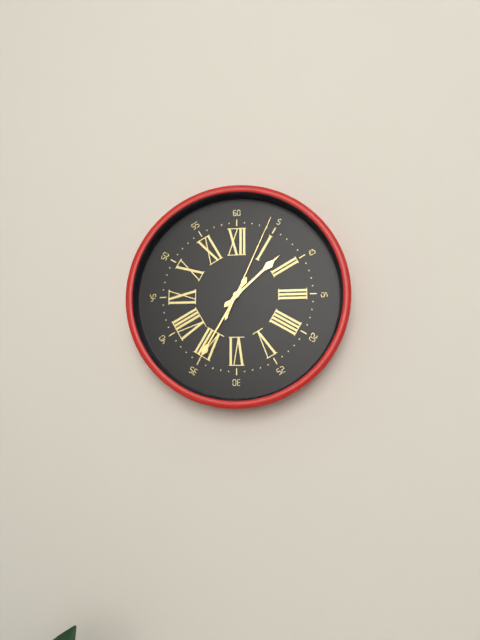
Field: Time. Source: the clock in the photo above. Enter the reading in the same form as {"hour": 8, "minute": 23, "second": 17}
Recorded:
{"hour": 1, "minute": 35, "second": 4}
